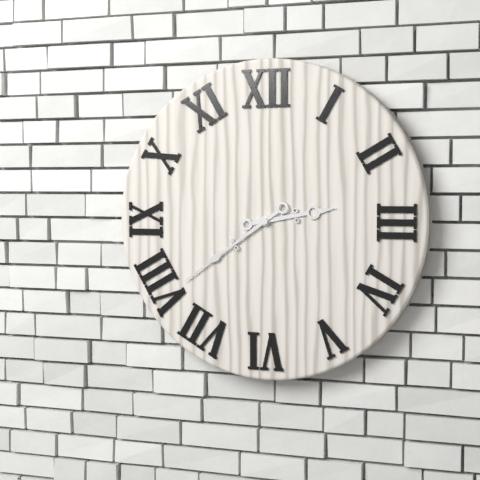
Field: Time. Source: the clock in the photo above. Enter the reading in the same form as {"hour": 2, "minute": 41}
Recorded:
{"hour": 2, "minute": 39}
